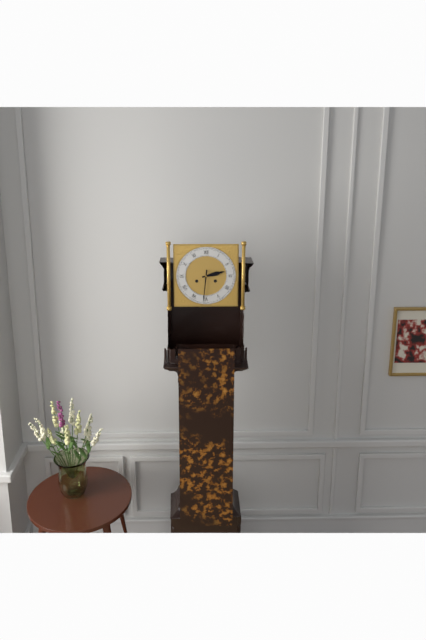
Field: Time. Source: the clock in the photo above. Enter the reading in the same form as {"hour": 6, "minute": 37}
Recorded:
{"hour": 2, "minute": 31}
